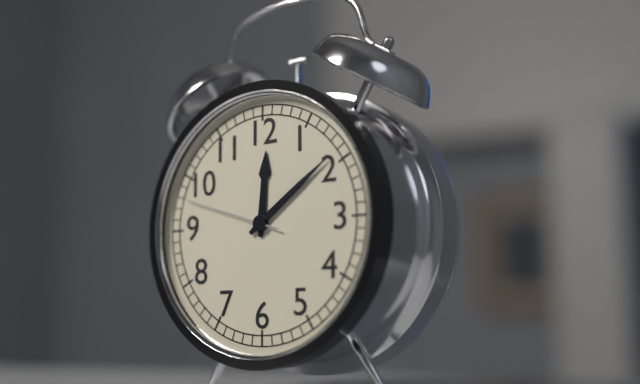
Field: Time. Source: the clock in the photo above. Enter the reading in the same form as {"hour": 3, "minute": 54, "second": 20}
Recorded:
{"hour": 12, "minute": 9, "second": 48}
